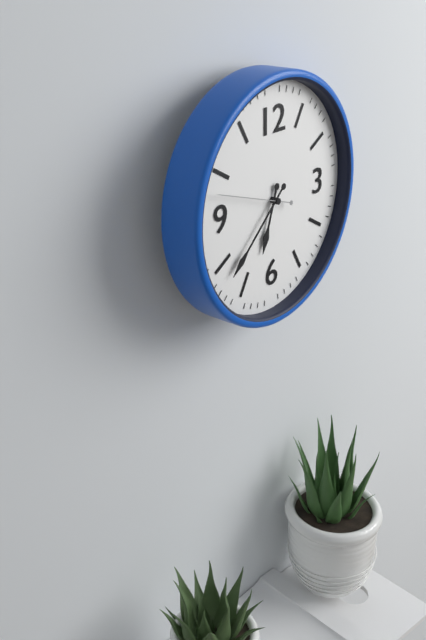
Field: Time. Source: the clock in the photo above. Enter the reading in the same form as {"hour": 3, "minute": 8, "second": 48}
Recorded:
{"hour": 6, "minute": 38, "second": 48}
